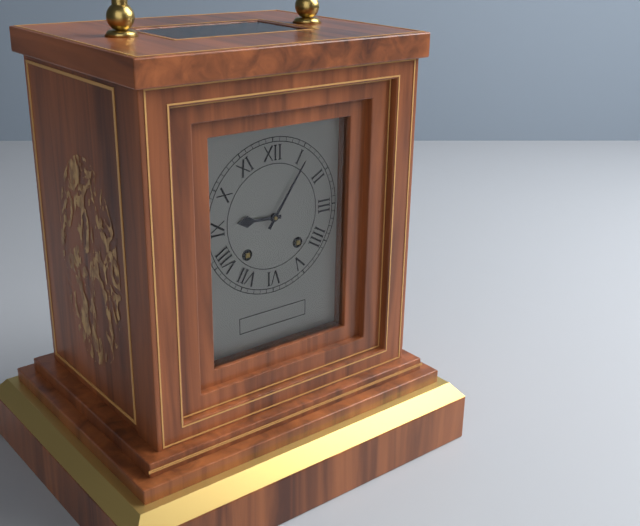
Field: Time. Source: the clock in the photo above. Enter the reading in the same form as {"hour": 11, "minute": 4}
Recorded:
{"hour": 9, "minute": 6}
